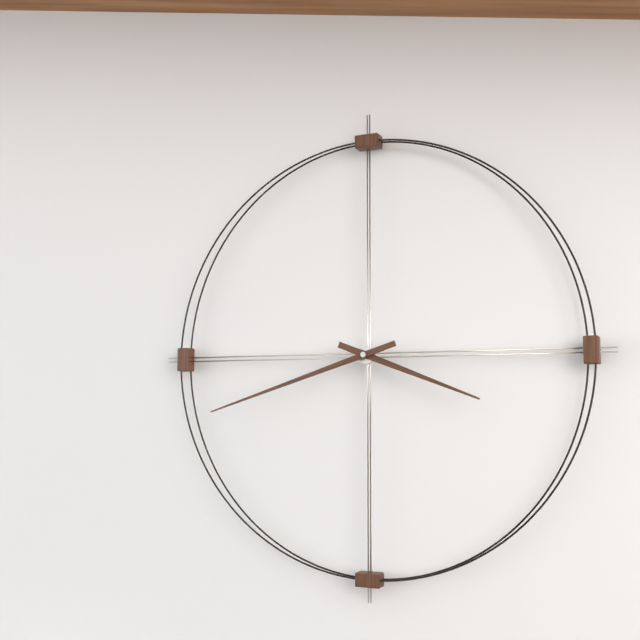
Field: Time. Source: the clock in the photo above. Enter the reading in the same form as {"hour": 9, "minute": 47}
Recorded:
{"hour": 3, "minute": 42}
